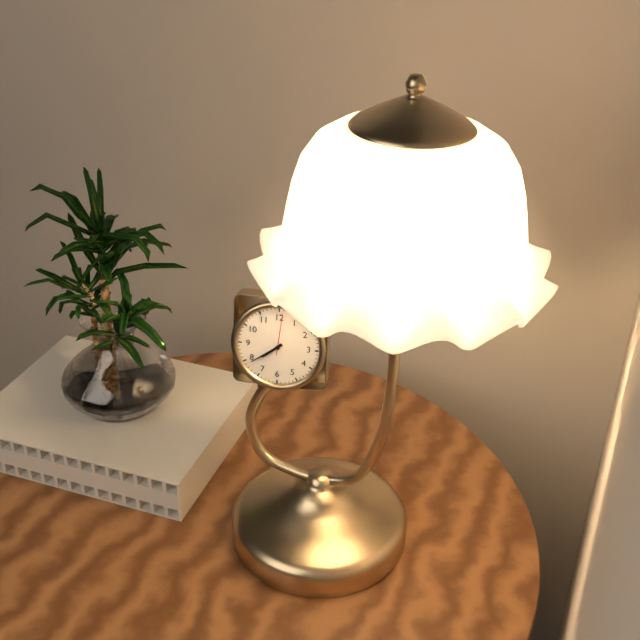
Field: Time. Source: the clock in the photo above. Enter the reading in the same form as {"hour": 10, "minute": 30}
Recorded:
{"hour": 7, "minute": 39}
